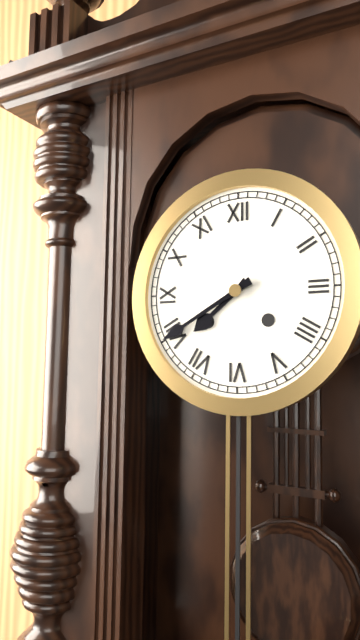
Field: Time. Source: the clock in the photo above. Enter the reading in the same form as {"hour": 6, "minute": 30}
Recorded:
{"hour": 7, "minute": 40}
